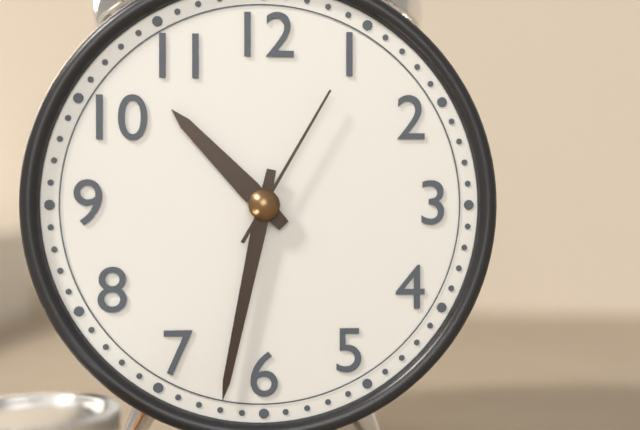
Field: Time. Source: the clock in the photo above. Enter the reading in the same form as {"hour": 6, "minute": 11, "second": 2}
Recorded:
{"hour": 10, "minute": 32, "second": 5}
